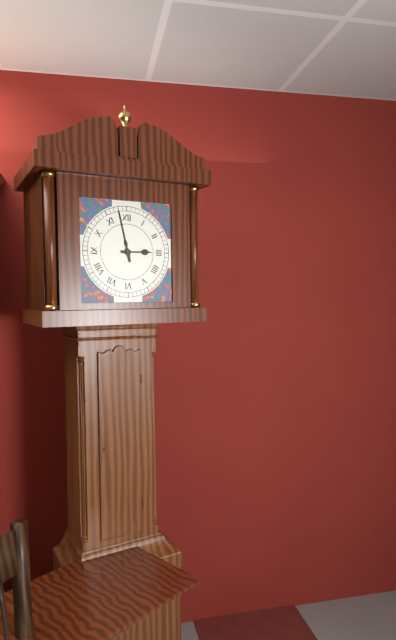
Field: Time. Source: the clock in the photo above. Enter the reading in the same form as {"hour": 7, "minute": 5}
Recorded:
{"hour": 2, "minute": 58}
